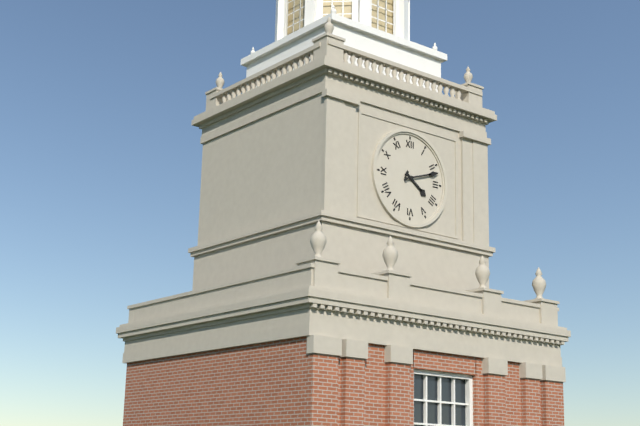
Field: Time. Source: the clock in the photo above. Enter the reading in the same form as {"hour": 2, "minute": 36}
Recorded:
{"hour": 4, "minute": 12}
